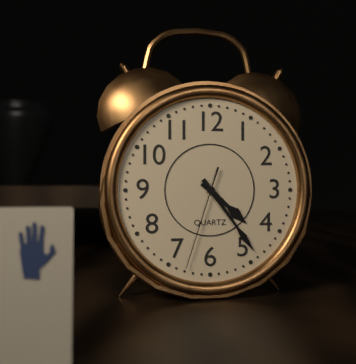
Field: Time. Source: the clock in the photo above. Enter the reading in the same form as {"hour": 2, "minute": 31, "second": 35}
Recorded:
{"hour": 4, "minute": 24, "second": 33}
